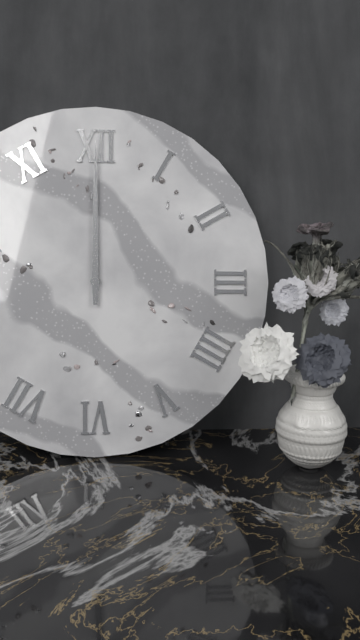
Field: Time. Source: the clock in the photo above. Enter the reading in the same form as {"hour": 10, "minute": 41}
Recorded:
{"hour": 12, "minute": 0}
